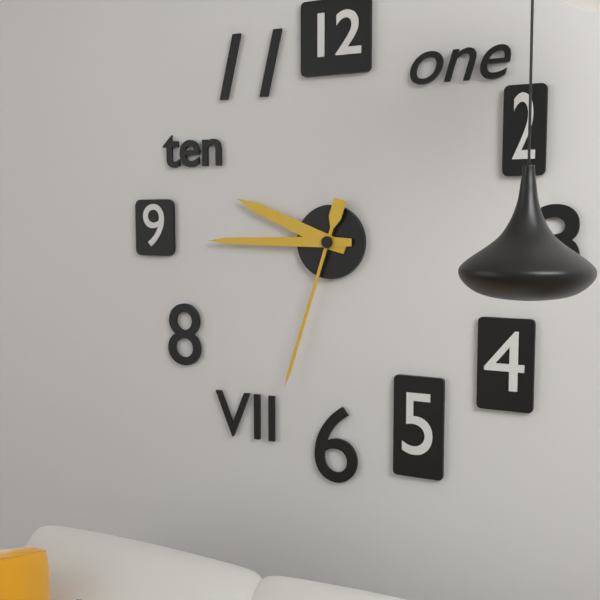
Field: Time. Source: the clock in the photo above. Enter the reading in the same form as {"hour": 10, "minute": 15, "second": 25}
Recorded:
{"hour": 9, "minute": 45, "second": 33}
